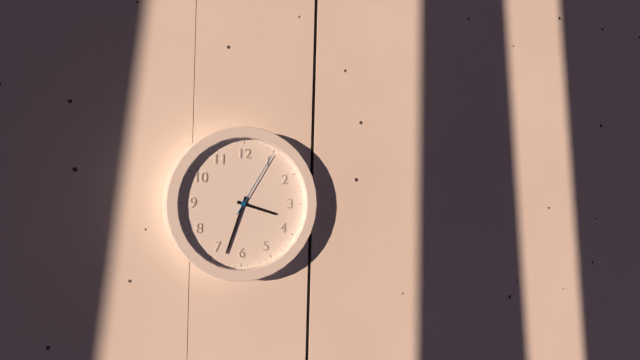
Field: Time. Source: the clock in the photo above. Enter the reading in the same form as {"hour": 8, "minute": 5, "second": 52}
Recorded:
{"hour": 3, "minute": 33, "second": 5}
